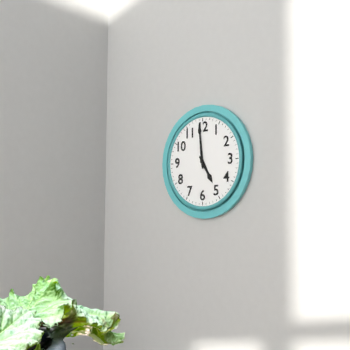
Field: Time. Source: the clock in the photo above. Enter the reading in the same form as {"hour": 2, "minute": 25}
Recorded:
{"hour": 4, "minute": 59}
